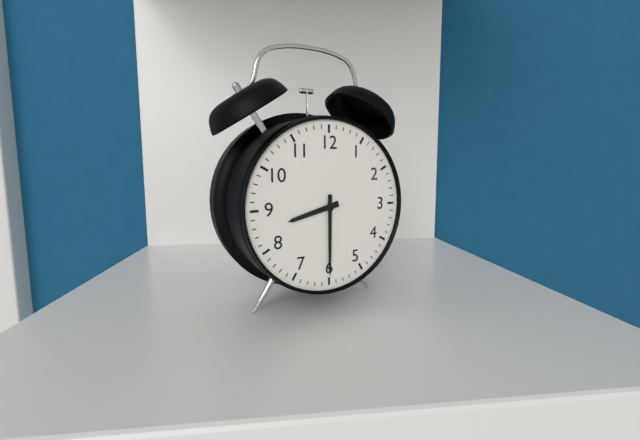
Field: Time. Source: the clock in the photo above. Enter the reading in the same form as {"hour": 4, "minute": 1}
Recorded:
{"hour": 8, "minute": 30}
